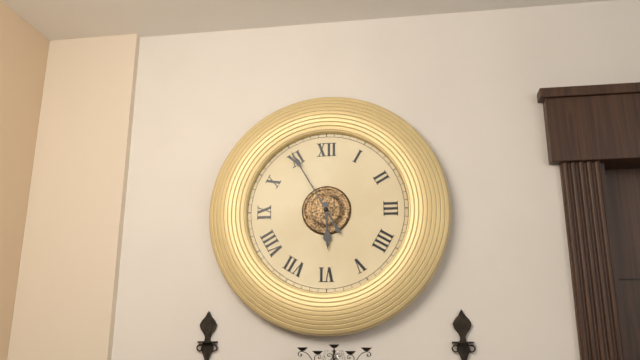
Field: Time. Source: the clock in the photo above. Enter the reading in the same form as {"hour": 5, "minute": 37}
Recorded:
{"hour": 5, "minute": 55}
